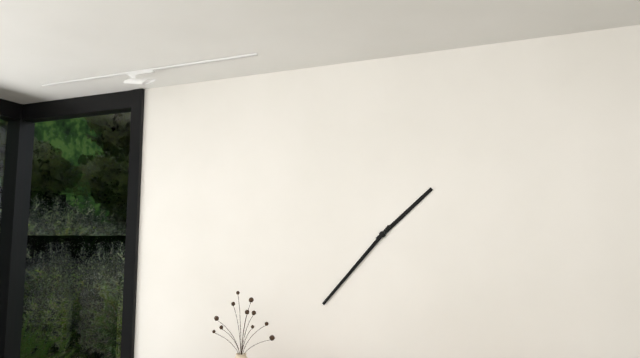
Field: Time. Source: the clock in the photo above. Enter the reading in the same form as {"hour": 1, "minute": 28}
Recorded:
{"hour": 1, "minute": 37}
